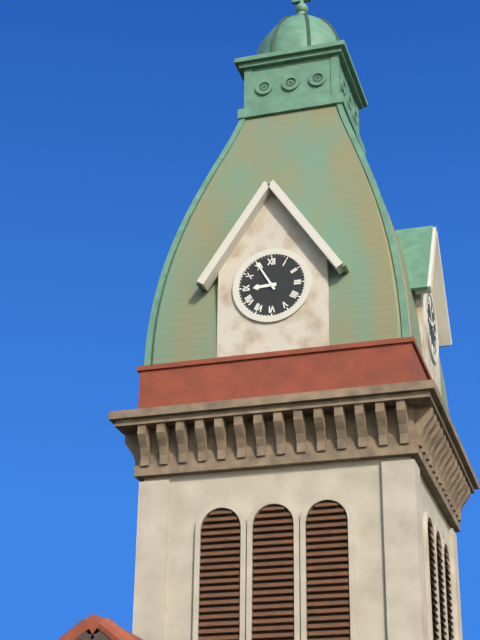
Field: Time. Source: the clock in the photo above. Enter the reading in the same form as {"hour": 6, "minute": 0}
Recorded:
{"hour": 8, "minute": 55}
